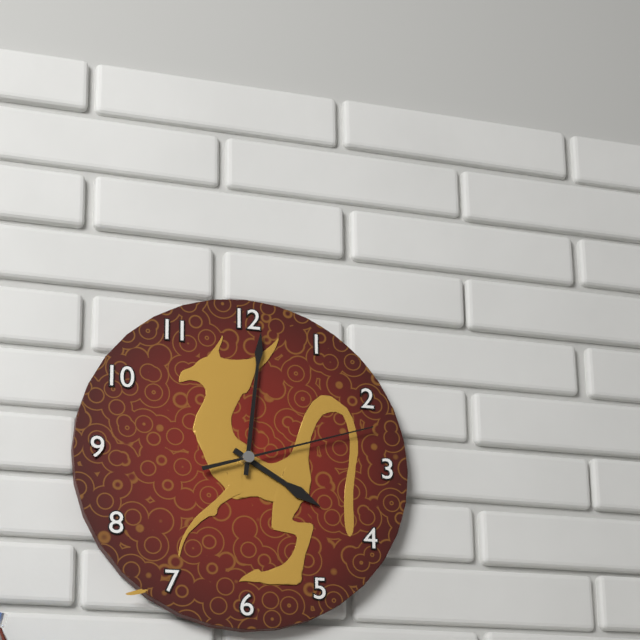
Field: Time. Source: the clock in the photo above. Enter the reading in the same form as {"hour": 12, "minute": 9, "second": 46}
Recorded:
{"hour": 4, "minute": 1, "second": 12}
